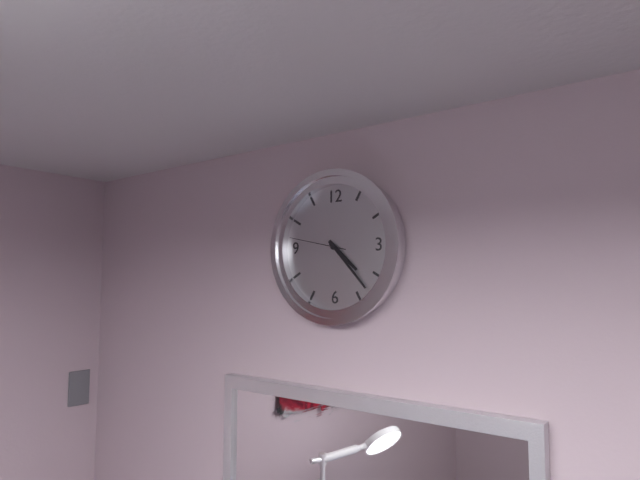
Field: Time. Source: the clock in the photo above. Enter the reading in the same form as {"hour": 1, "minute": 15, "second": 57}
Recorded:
{"hour": 4, "minute": 23, "second": 47}
